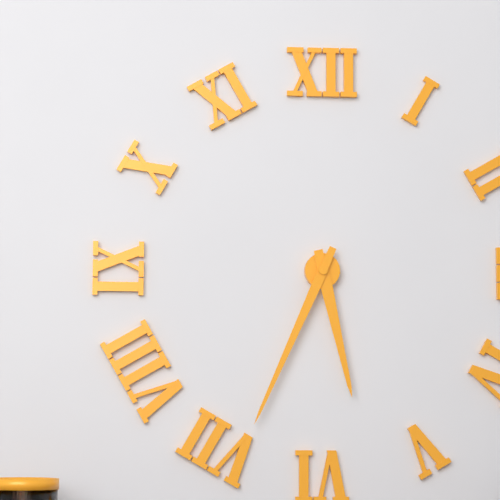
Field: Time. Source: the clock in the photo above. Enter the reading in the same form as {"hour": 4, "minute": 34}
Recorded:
{"hour": 5, "minute": 34}
